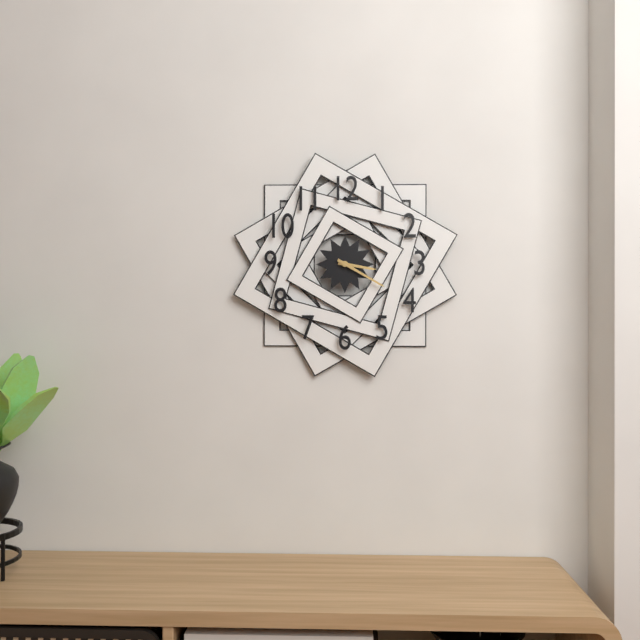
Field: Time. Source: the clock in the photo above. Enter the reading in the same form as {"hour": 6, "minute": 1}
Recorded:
{"hour": 3, "minute": 20}
